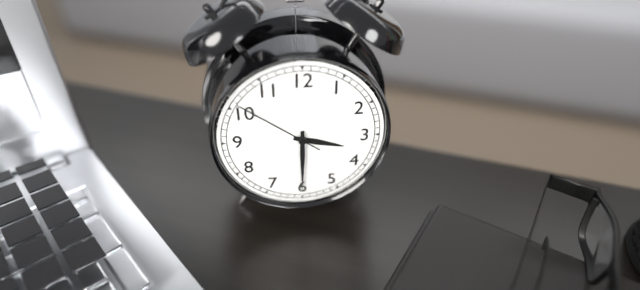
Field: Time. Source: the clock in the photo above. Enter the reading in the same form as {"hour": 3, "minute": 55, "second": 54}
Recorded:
{"hour": 3, "minute": 30, "second": 51}
